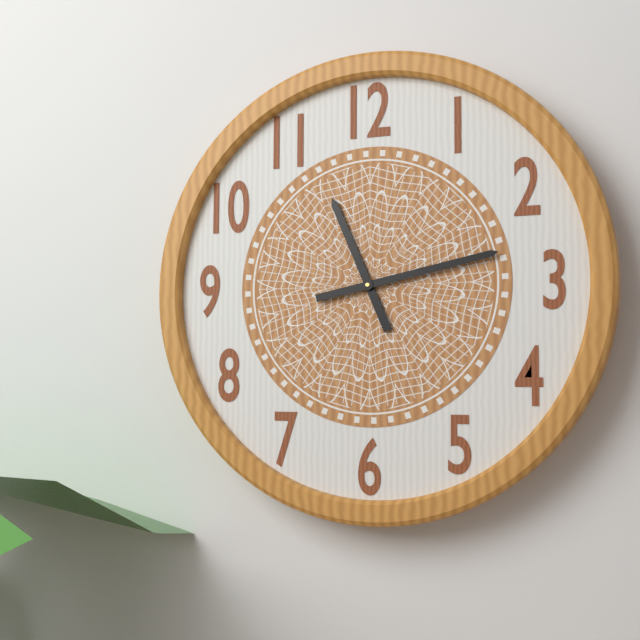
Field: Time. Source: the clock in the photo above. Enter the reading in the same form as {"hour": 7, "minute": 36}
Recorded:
{"hour": 11, "minute": 13}
